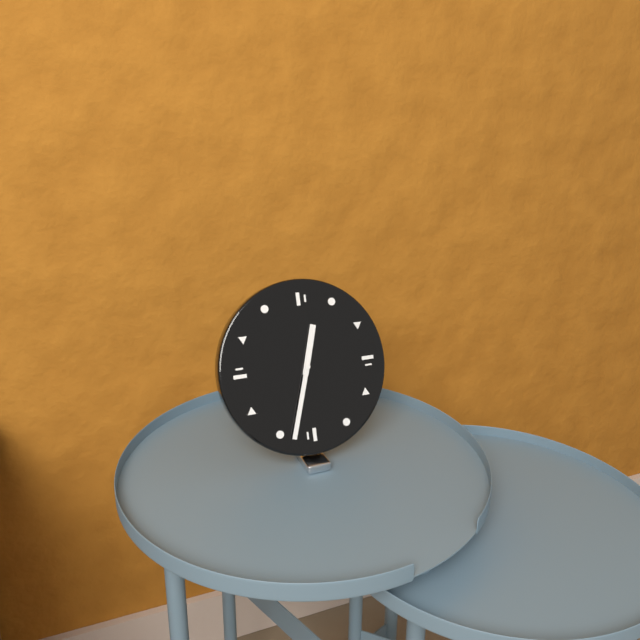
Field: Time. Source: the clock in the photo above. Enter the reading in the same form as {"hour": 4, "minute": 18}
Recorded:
{"hour": 12, "minute": 33}
